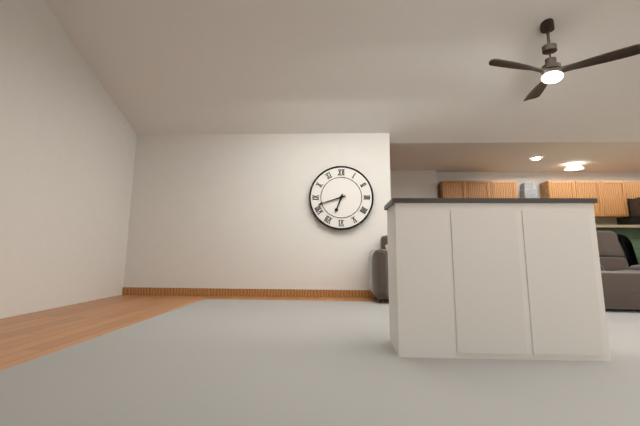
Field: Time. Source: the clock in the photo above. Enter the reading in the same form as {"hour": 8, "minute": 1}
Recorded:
{"hour": 6, "minute": 42}
